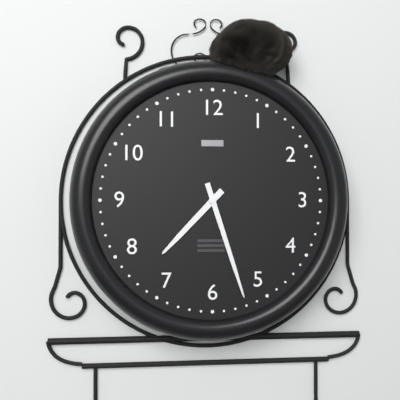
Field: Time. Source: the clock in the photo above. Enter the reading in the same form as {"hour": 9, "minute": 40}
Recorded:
{"hour": 7, "minute": 27}
